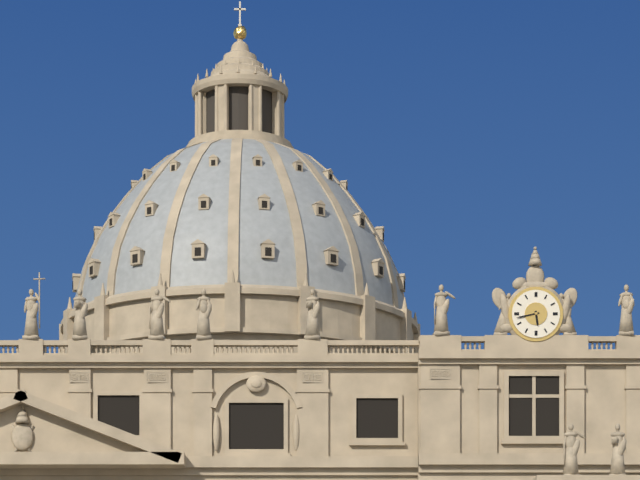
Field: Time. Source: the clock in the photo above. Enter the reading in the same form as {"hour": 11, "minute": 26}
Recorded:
{"hour": 5, "minute": 43}
